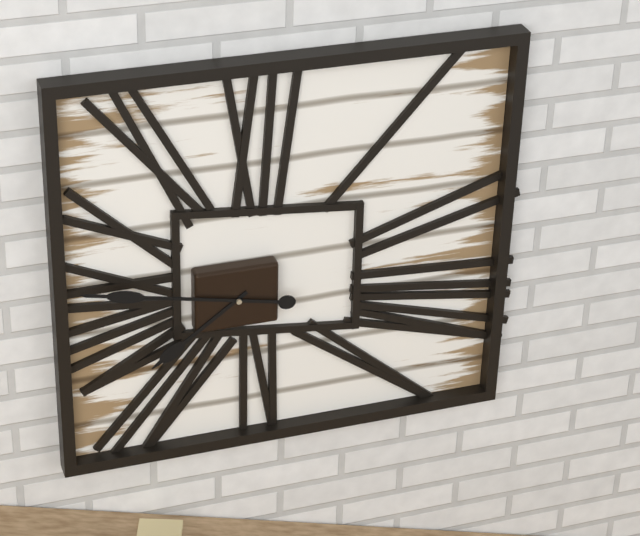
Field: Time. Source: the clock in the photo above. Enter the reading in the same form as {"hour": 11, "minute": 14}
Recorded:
{"hour": 7, "minute": 47}
